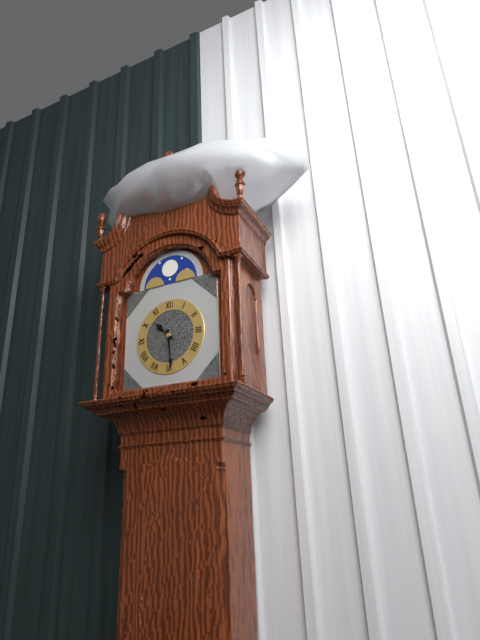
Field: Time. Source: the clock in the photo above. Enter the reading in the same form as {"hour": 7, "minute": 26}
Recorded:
{"hour": 10, "minute": 29}
